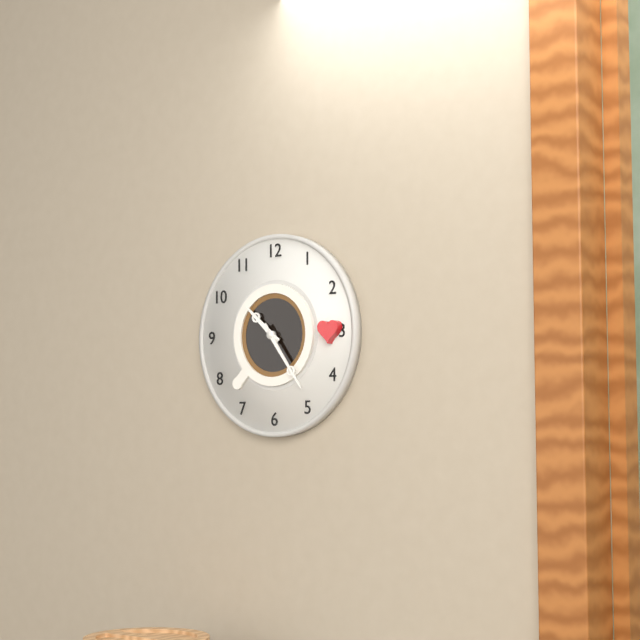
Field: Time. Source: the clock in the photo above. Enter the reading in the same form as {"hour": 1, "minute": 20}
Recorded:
{"hour": 10, "minute": 24}
